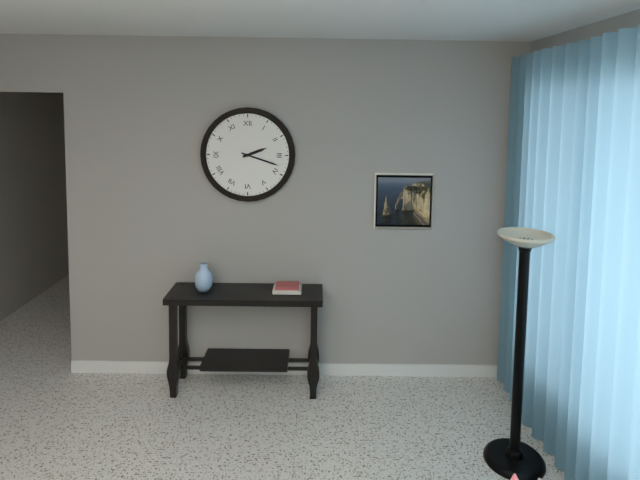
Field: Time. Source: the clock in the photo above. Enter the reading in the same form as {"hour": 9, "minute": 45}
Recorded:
{"hour": 2, "minute": 18}
